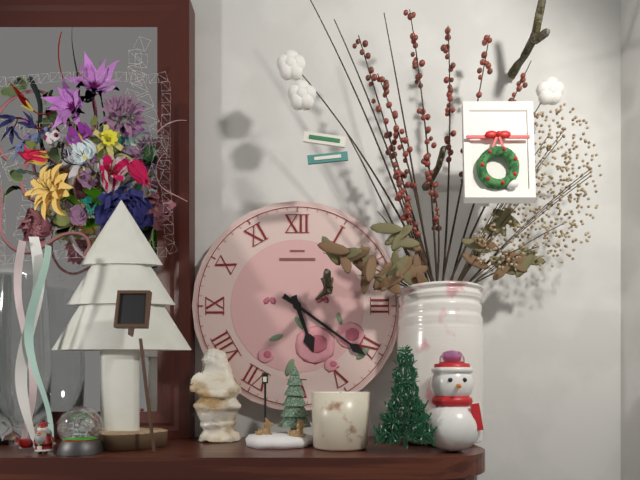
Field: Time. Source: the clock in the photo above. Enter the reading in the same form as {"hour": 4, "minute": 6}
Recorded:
{"hour": 5, "minute": 21}
